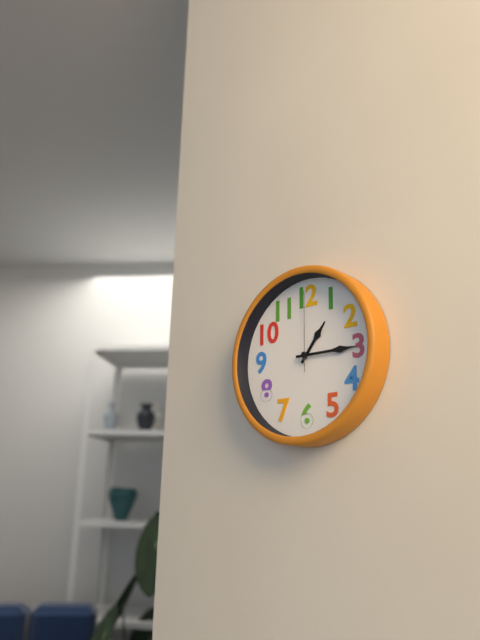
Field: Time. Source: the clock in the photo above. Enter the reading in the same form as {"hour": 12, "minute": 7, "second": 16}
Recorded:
{"hour": 1, "minute": 15, "second": 0}
